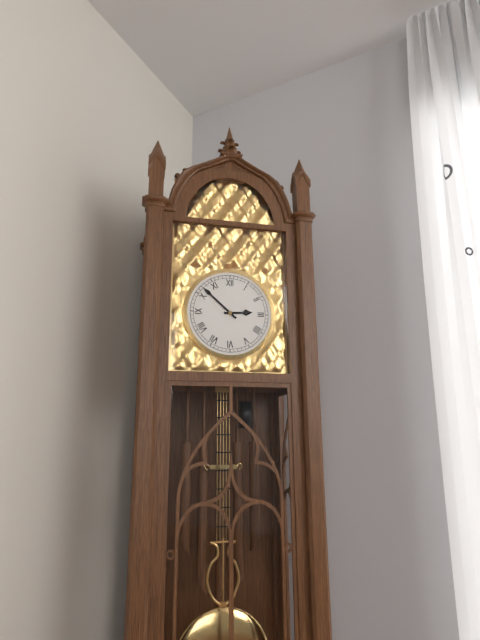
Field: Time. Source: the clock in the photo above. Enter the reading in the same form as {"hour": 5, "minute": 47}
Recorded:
{"hour": 2, "minute": 52}
